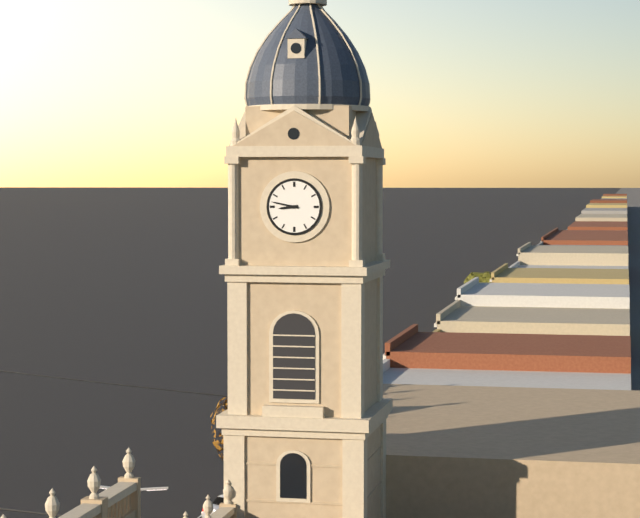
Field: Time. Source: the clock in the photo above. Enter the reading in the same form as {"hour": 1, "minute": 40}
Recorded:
{"hour": 8, "minute": 47}
